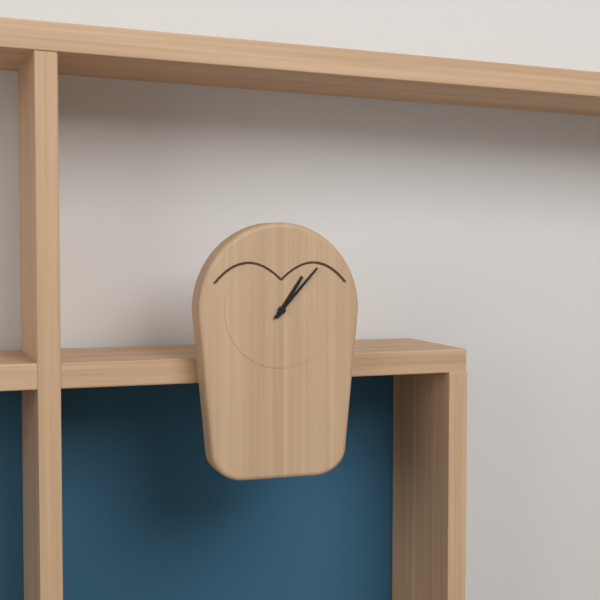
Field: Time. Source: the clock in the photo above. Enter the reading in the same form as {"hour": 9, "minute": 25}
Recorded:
{"hour": 1, "minute": 7}
